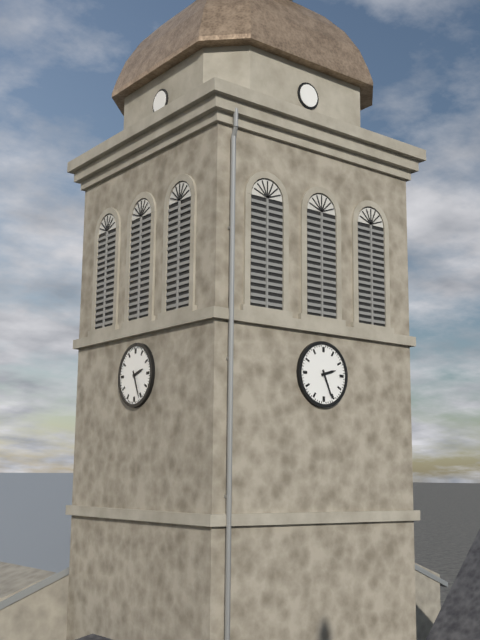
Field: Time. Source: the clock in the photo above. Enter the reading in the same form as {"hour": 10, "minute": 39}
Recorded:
{"hour": 2, "minute": 26}
